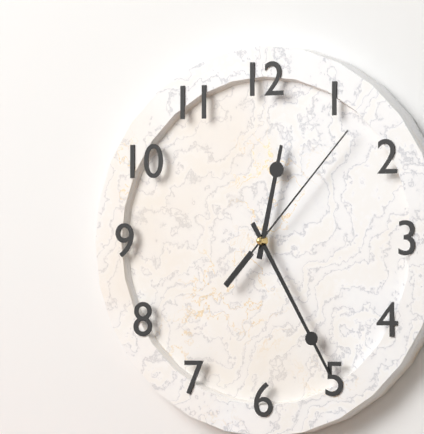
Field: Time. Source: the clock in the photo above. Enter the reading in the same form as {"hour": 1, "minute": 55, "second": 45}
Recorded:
{"hour": 12, "minute": 25, "second": 7}
